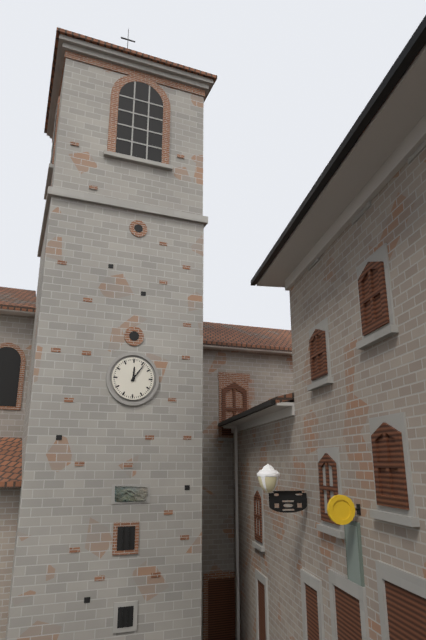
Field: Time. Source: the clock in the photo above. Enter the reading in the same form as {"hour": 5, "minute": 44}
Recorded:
{"hour": 12, "minute": 6}
